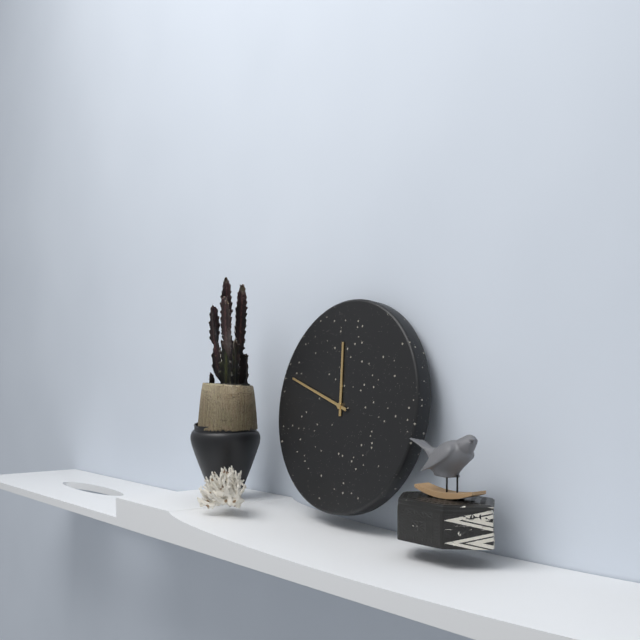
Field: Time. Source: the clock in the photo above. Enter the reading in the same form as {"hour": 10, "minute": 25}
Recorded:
{"hour": 11, "minute": 48}
